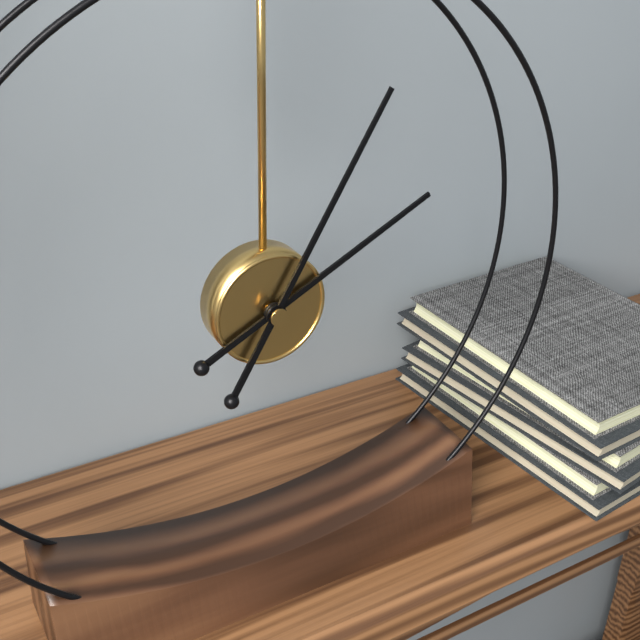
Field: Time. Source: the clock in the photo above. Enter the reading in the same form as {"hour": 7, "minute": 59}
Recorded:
{"hour": 2, "minute": 5}
